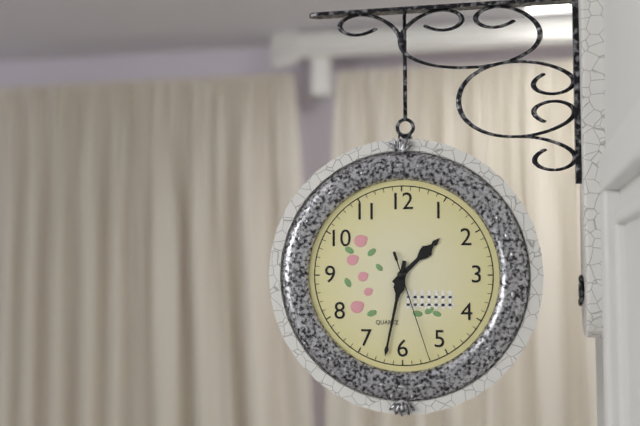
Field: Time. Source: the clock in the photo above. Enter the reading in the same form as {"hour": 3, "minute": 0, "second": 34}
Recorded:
{"hour": 1, "minute": 32, "second": 27}
